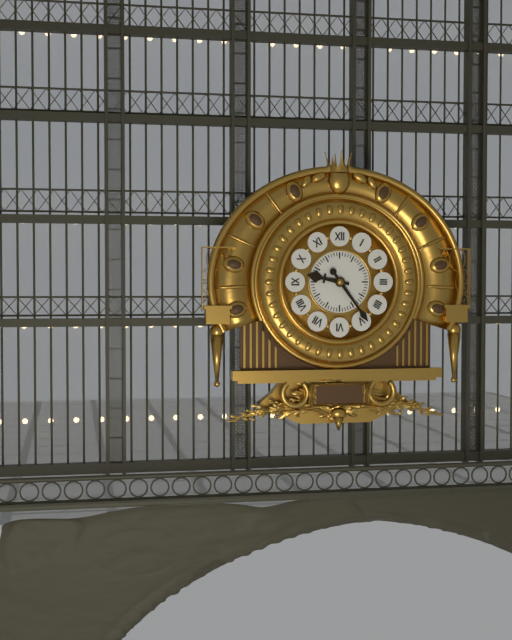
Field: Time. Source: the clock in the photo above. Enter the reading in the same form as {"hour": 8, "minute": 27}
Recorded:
{"hour": 9, "minute": 24}
